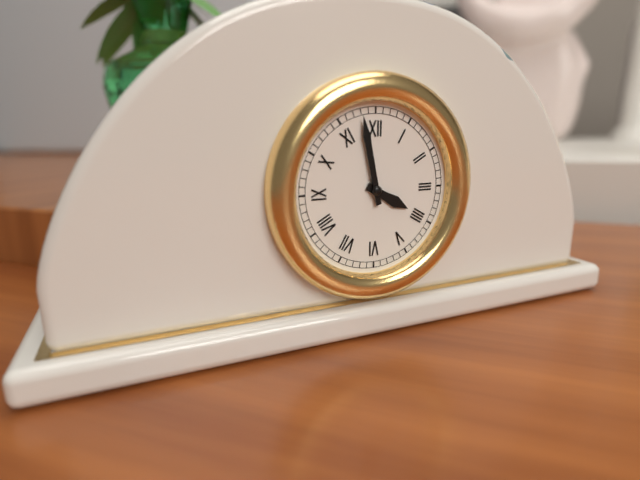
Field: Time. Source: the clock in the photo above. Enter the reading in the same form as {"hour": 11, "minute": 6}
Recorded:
{"hour": 3, "minute": 58}
